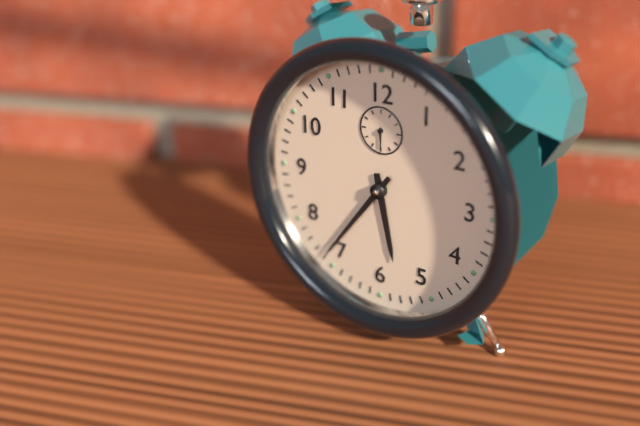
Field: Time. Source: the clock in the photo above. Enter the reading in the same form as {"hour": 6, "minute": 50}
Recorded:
{"hour": 5, "minute": 36}
